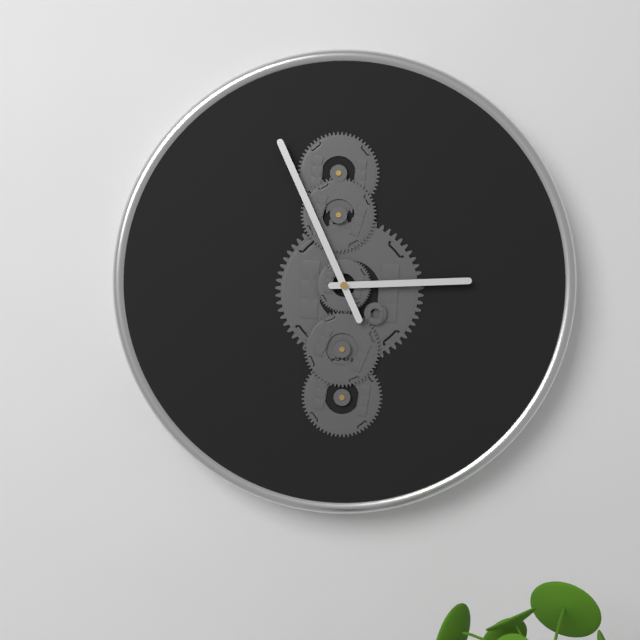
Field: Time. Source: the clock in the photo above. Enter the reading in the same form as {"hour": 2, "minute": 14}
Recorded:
{"hour": 2, "minute": 56}
